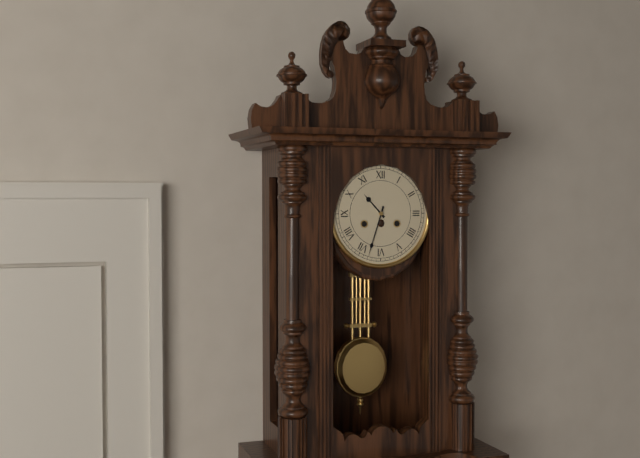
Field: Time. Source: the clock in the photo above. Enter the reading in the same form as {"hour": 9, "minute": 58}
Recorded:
{"hour": 10, "minute": 33}
